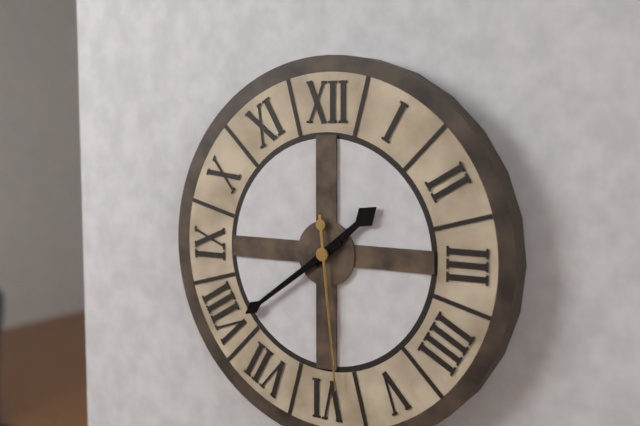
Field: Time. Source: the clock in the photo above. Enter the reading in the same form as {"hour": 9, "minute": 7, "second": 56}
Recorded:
{"hour": 1, "minute": 39, "second": 29}
